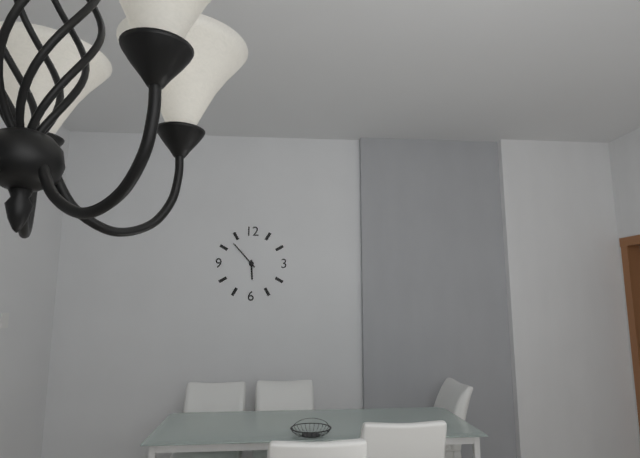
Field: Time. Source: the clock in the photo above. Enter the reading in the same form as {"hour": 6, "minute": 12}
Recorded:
{"hour": 5, "minute": 53}
